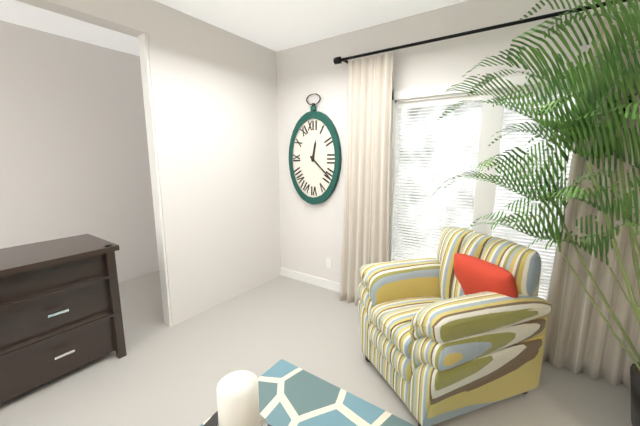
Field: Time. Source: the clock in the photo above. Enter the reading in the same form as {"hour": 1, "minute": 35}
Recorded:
{"hour": 12, "minute": 22}
